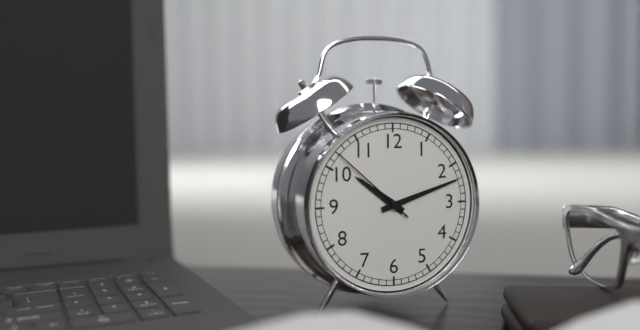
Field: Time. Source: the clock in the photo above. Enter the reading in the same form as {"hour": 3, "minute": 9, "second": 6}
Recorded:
{"hour": 10, "minute": 12, "second": 52}
